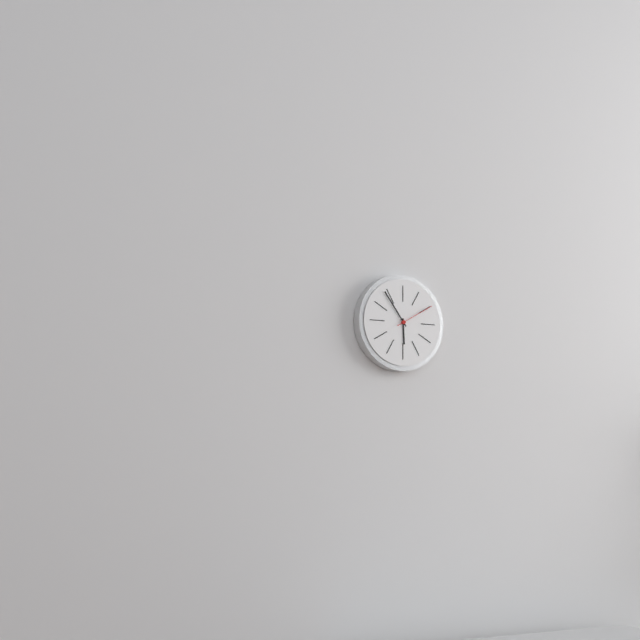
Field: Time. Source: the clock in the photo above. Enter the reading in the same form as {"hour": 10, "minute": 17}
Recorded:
{"hour": 5, "minute": 54}
